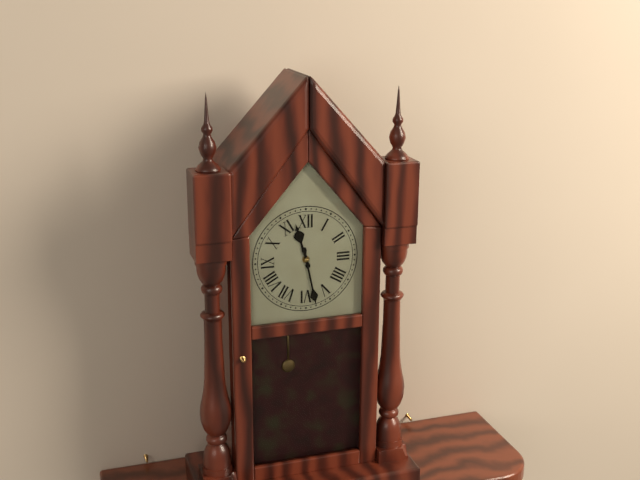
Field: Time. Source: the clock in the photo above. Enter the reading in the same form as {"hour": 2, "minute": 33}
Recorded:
{"hour": 11, "minute": 28}
